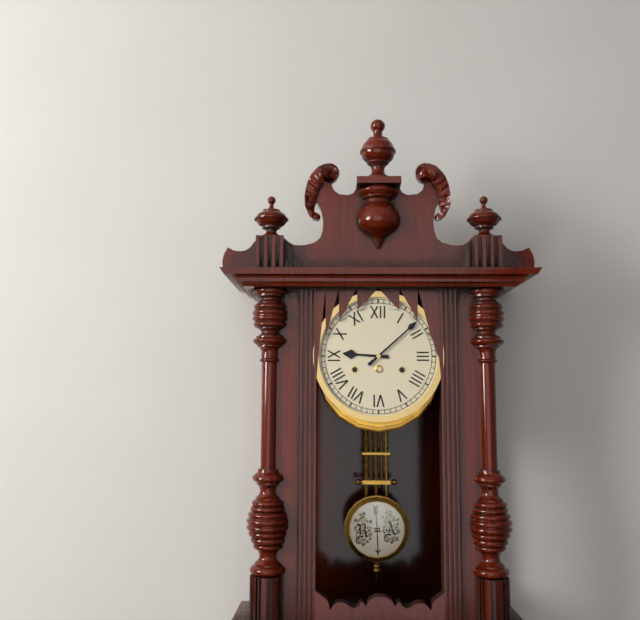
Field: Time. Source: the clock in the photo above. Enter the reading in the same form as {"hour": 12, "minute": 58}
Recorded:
{"hour": 9, "minute": 8}
